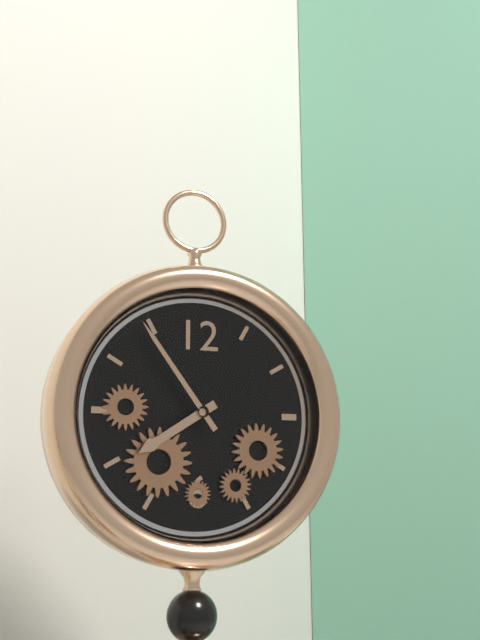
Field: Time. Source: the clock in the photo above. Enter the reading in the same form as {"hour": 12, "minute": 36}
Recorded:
{"hour": 7, "minute": 54}
